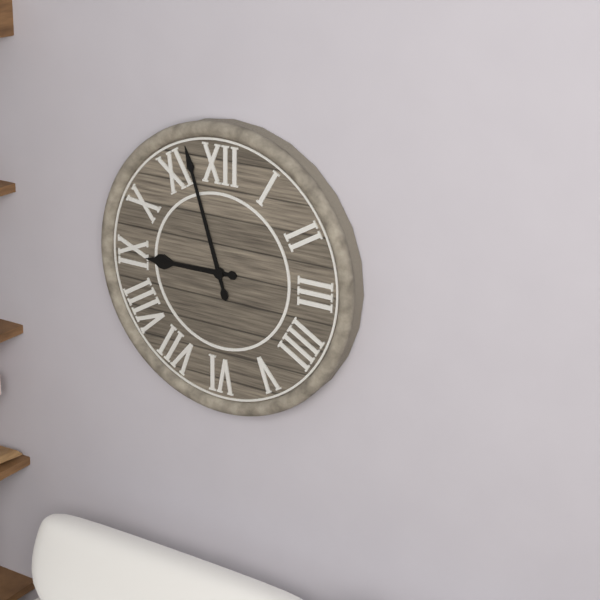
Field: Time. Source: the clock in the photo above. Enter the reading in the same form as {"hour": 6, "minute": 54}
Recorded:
{"hour": 8, "minute": 57}
